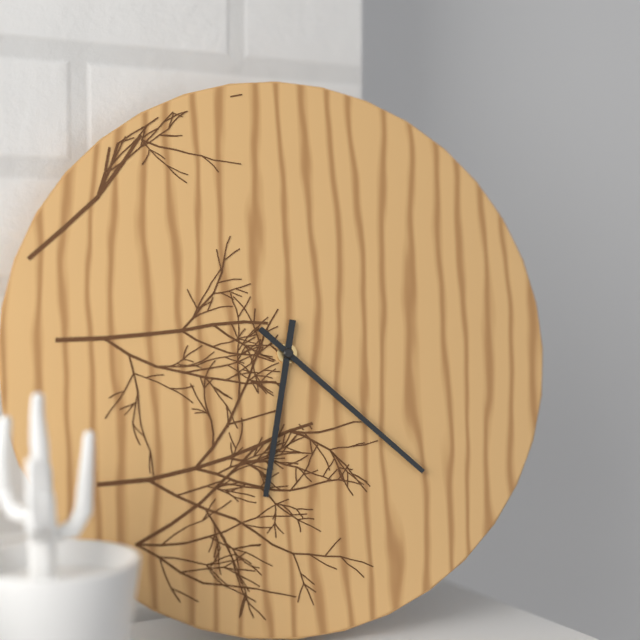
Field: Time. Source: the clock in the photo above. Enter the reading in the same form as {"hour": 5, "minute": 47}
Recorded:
{"hour": 6, "minute": 22}
